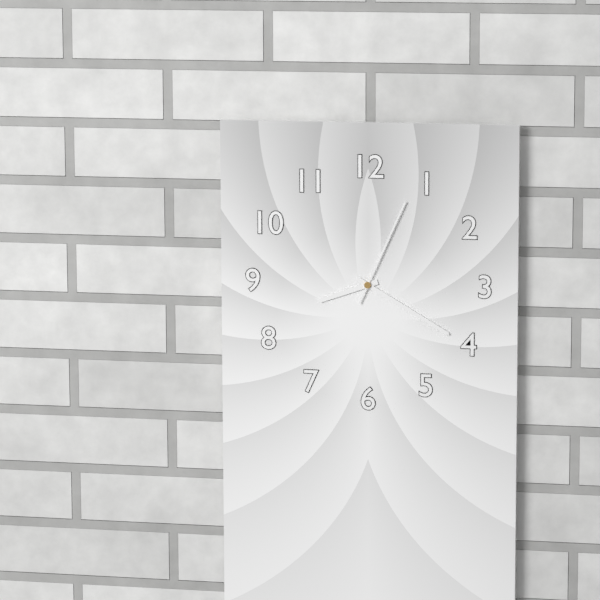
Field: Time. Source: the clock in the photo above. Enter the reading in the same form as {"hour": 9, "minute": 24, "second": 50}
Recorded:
{"hour": 8, "minute": 20, "second": 4}
